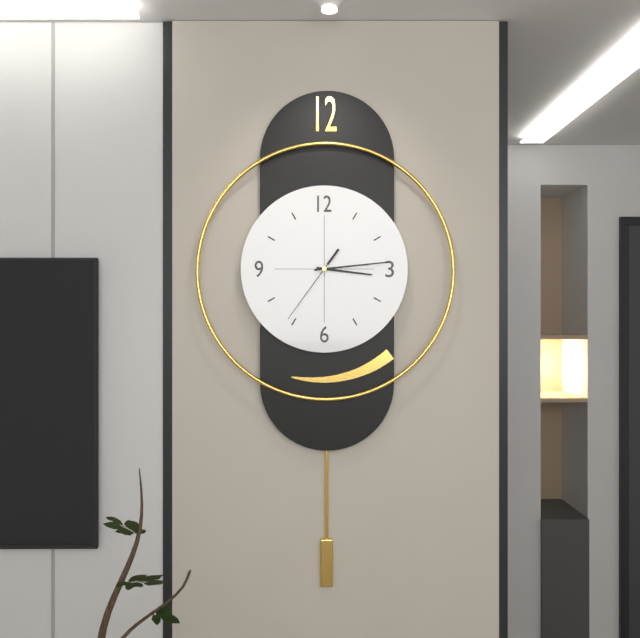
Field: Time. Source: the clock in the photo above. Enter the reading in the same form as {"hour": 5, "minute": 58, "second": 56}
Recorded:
{"hour": 3, "minute": 14, "second": 36}
